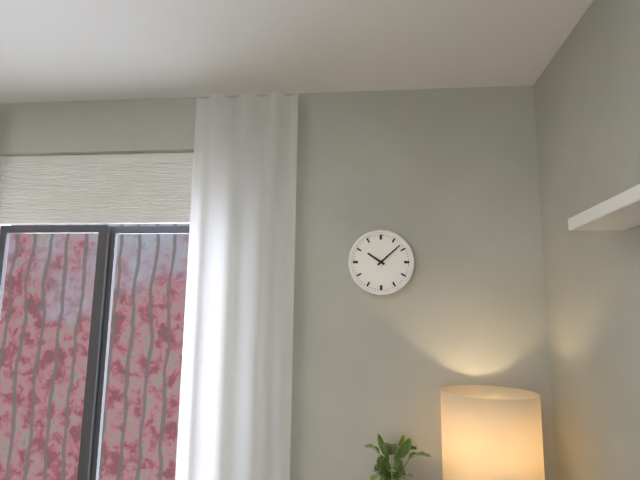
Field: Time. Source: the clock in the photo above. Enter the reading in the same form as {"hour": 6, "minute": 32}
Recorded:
{"hour": 10, "minute": 8}
